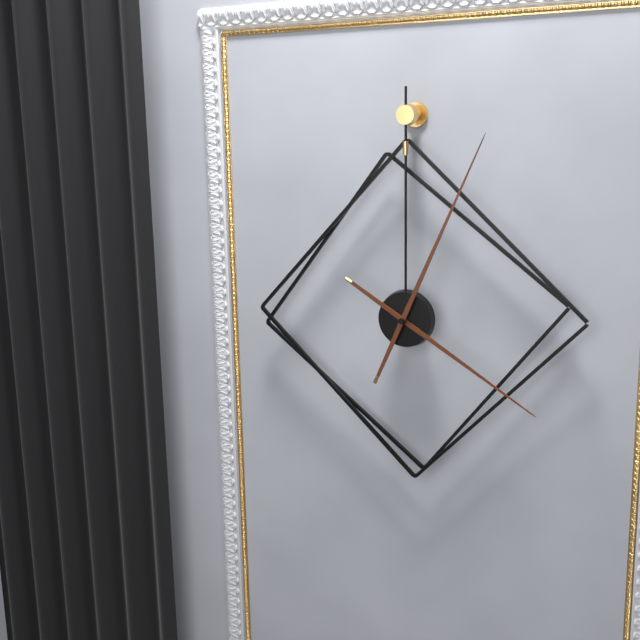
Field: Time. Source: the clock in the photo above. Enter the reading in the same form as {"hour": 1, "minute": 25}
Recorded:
{"hour": 4, "minute": 4}
